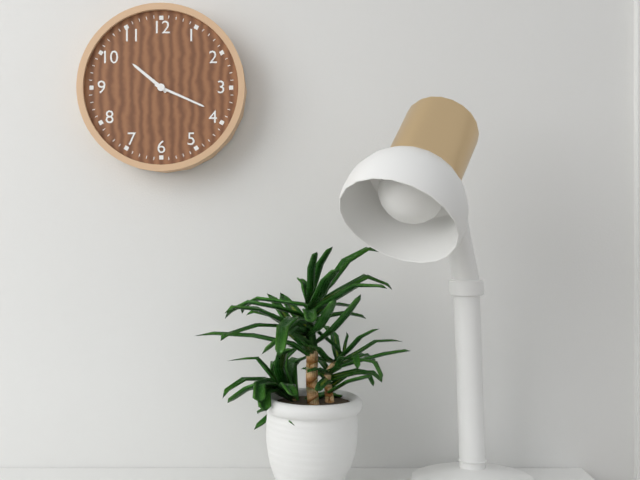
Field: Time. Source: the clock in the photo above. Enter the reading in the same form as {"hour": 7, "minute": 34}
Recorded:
{"hour": 10, "minute": 19}
